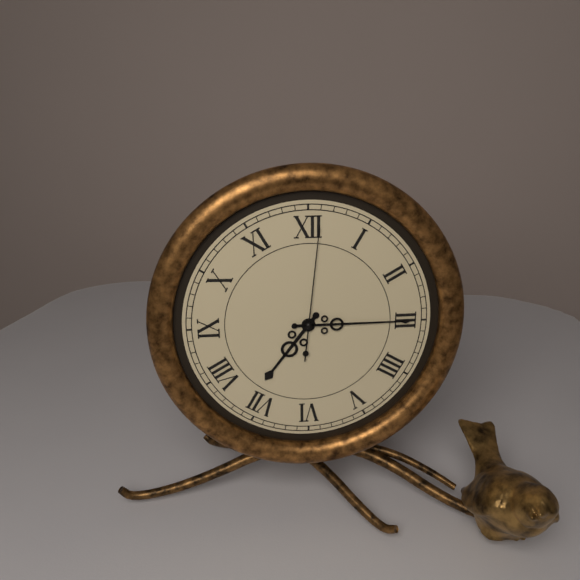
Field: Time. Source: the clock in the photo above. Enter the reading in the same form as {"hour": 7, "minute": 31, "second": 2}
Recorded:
{"hour": 7, "minute": 15, "second": 1}
